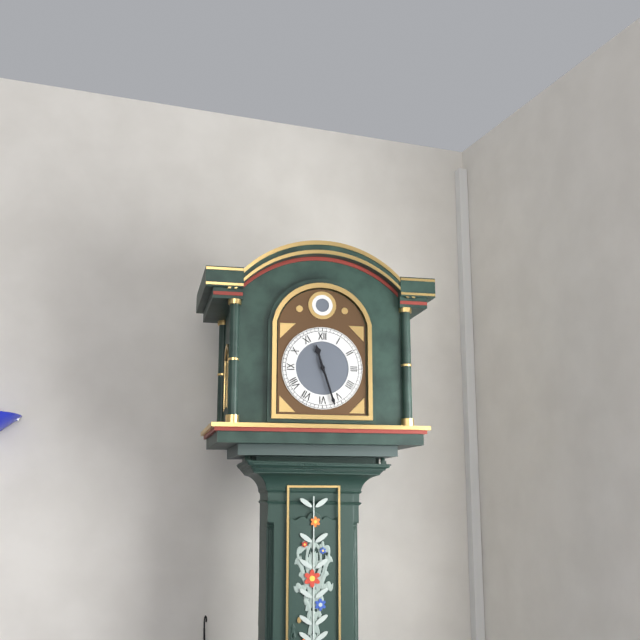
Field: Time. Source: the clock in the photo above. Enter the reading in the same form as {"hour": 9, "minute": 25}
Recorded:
{"hour": 11, "minute": 27}
